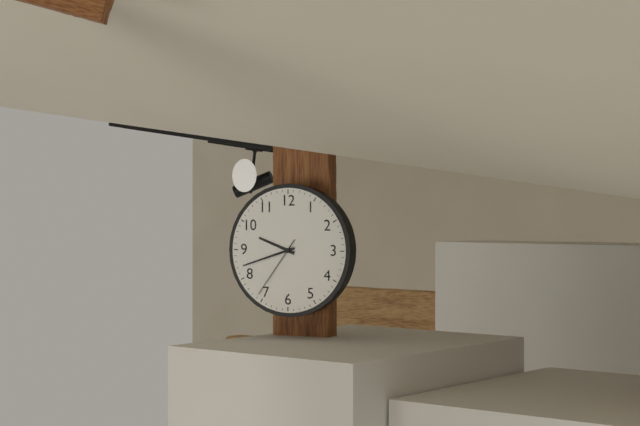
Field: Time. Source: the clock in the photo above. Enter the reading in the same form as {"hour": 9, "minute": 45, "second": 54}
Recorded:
{"hour": 9, "minute": 42, "second": 36}
